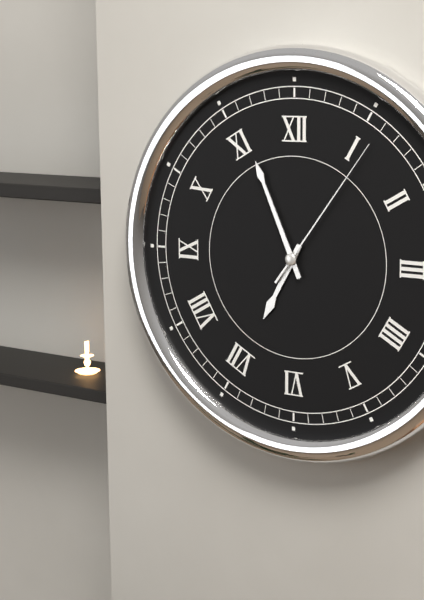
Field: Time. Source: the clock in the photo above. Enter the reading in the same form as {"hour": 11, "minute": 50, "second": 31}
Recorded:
{"hour": 6, "minute": 56, "second": 6}
